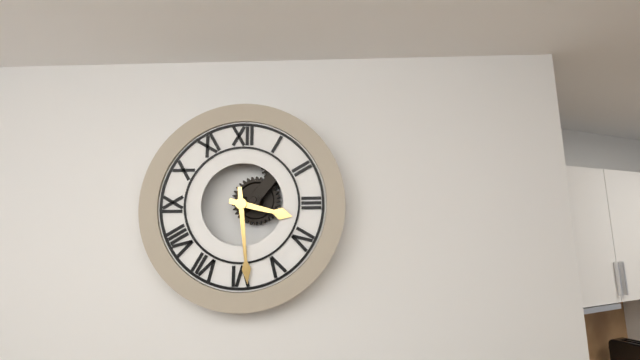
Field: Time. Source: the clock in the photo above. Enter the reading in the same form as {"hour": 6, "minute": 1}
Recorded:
{"hour": 3, "minute": 29}
